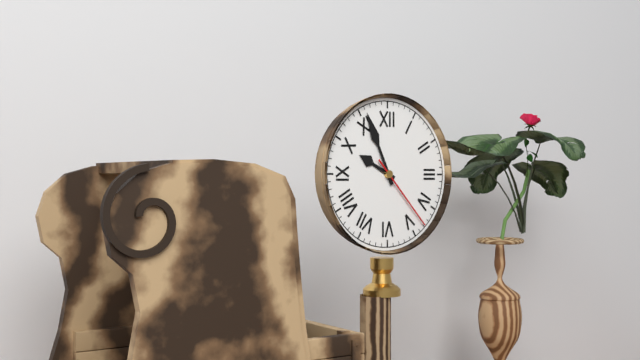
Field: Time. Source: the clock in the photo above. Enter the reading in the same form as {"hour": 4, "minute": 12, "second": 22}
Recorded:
{"hour": 9, "minute": 56, "second": 23}
